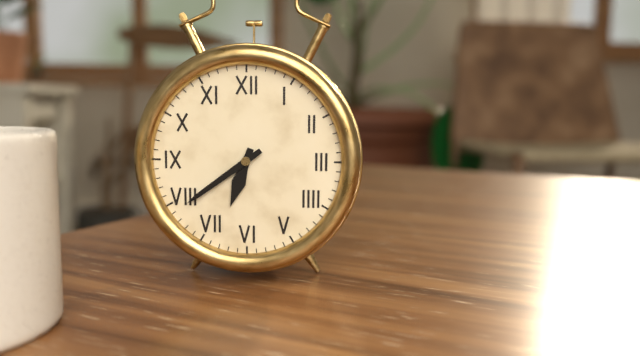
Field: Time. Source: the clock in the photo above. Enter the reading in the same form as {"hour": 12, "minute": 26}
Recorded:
{"hour": 6, "minute": 39}
